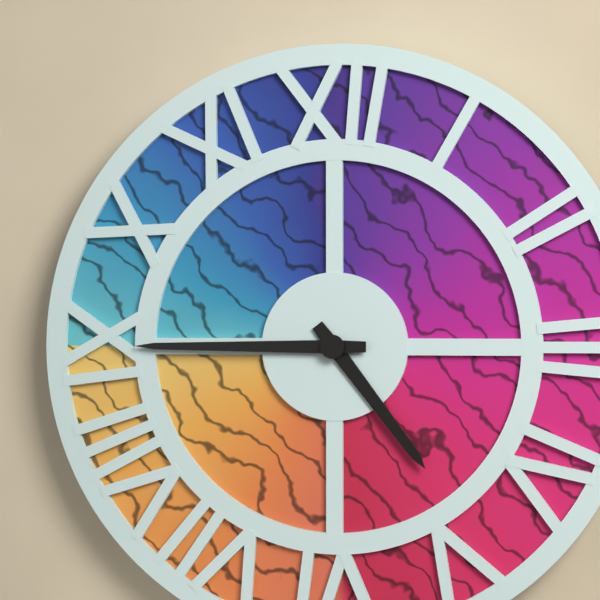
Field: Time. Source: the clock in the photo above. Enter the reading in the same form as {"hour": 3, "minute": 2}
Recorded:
{"hour": 4, "minute": 45}
